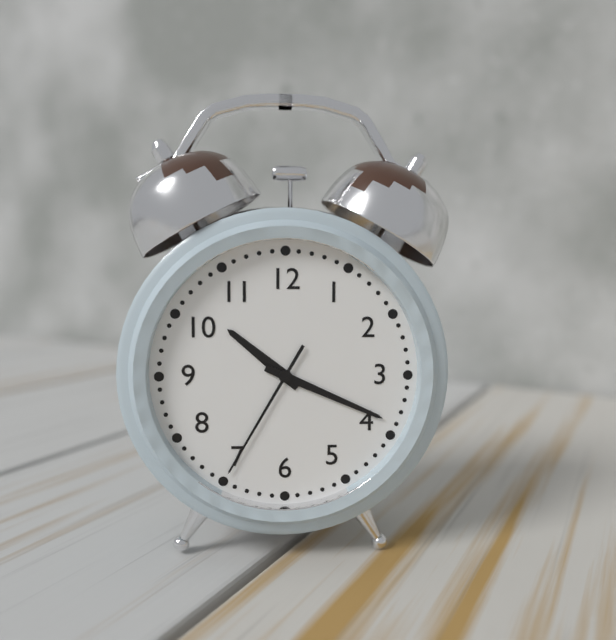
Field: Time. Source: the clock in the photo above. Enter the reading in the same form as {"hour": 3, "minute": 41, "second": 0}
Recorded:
{"hour": 10, "minute": 19, "second": 35}
